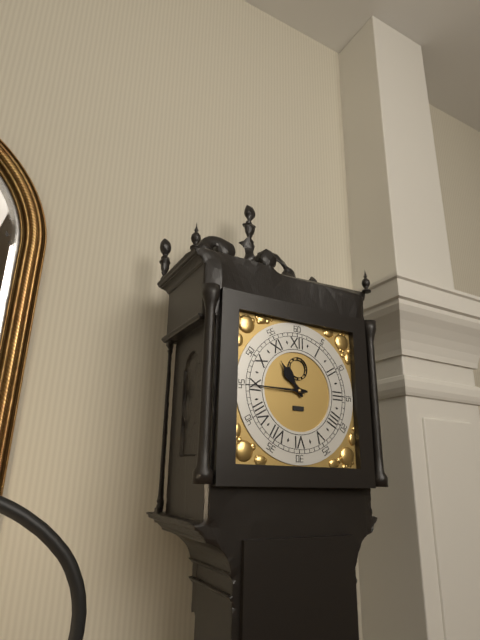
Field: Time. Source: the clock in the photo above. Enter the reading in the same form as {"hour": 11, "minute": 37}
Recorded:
{"hour": 10, "minute": 45}
